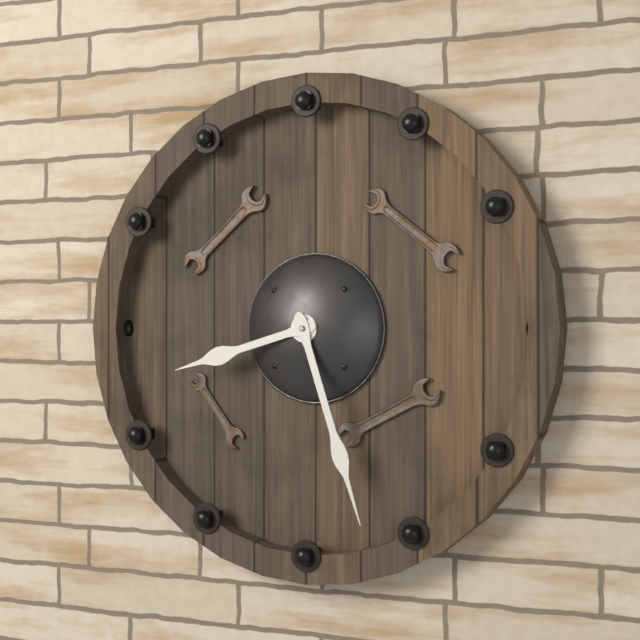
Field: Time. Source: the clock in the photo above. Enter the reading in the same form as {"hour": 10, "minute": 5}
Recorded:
{"hour": 8, "minute": 27}
